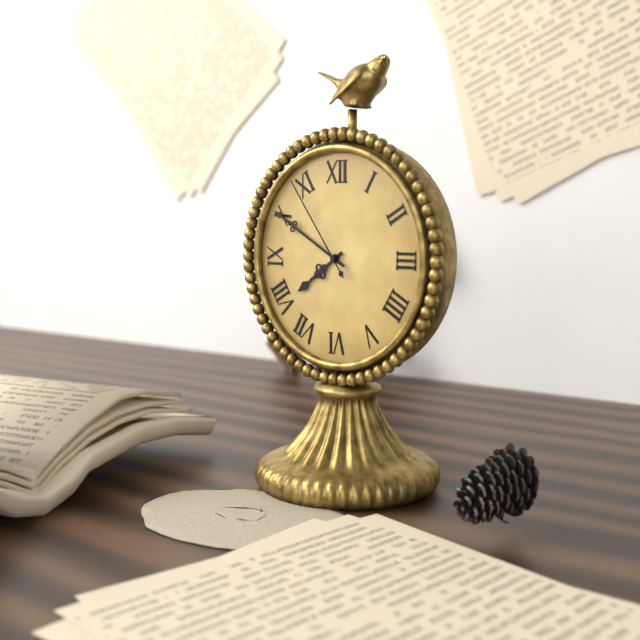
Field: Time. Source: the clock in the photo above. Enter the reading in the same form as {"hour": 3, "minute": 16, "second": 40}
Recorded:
{"hour": 7, "minute": 50, "second": 54}
